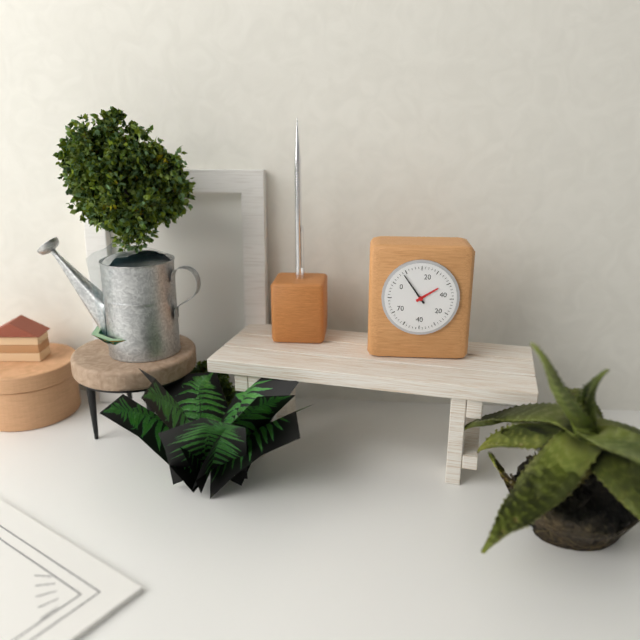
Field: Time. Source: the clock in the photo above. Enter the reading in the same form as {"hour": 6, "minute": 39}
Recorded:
{"hour": 1, "minute": 54}
